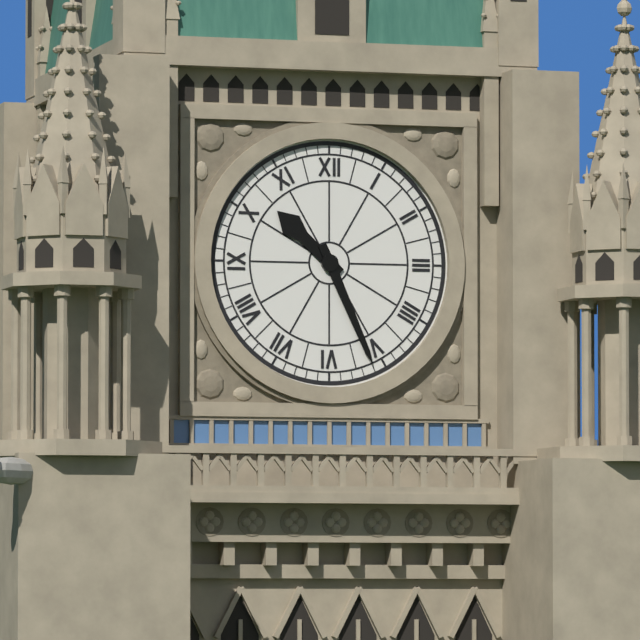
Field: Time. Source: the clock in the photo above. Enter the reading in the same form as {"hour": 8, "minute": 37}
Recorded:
{"hour": 10, "minute": 26}
